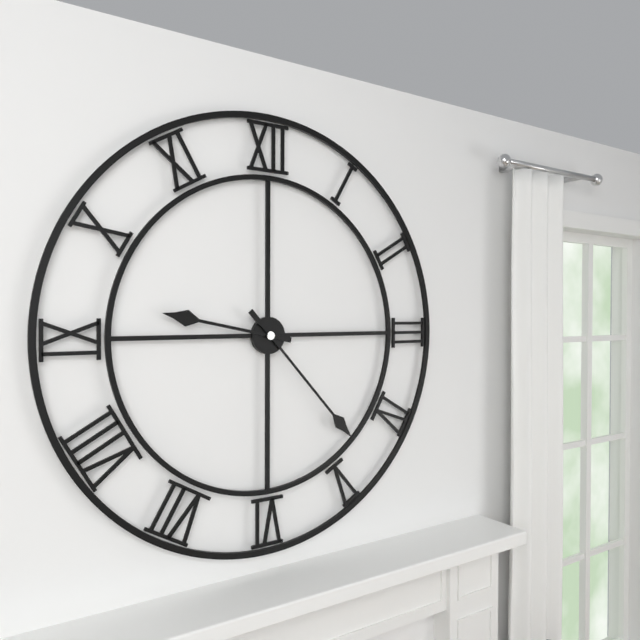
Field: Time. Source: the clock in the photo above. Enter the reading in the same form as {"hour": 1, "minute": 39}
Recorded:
{"hour": 9, "minute": 23}
